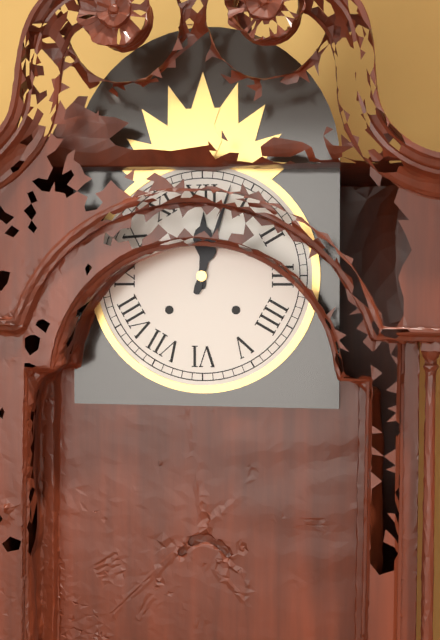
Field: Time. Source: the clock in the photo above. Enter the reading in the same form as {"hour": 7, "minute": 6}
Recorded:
{"hour": 12, "minute": 3}
